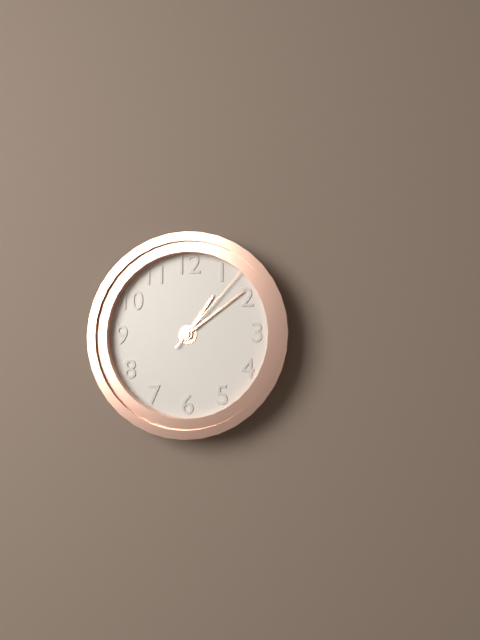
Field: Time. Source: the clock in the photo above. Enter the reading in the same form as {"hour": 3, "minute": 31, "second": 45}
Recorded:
{"hour": 1, "minute": 9, "second": 7}
